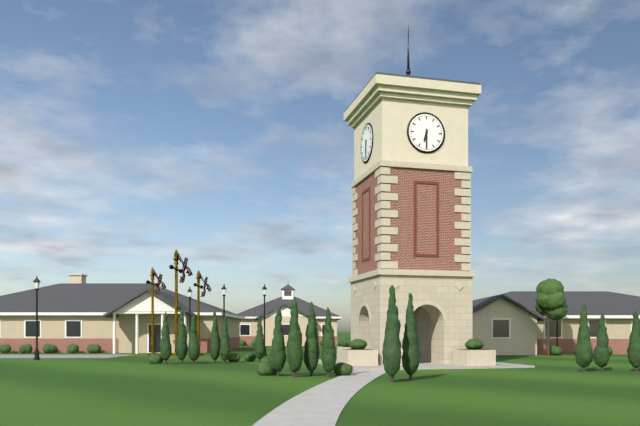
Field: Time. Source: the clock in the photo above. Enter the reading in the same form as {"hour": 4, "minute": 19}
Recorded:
{"hour": 6, "minute": 30}
